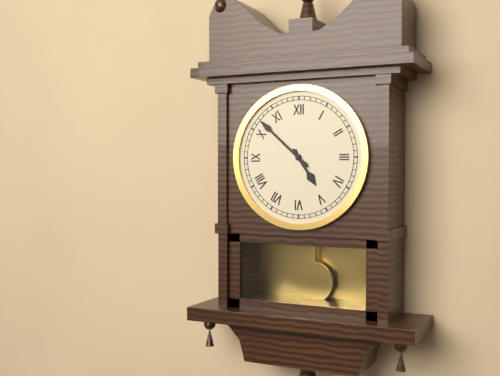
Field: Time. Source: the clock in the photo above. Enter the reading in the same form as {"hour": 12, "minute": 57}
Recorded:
{"hour": 4, "minute": 52}
